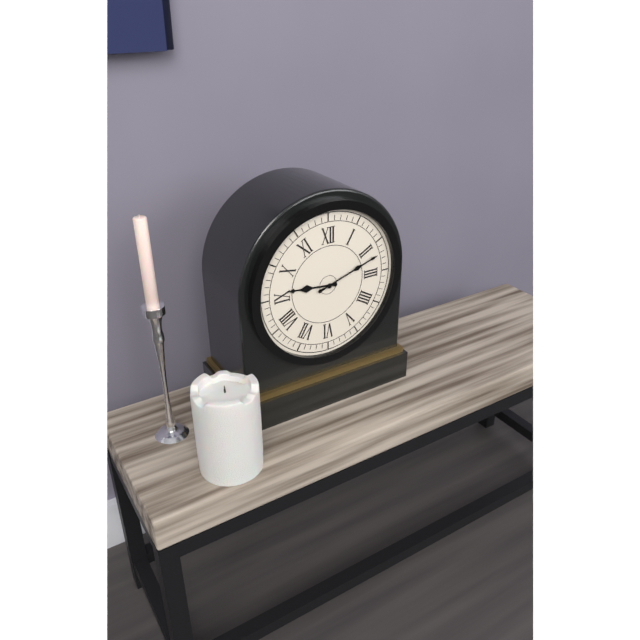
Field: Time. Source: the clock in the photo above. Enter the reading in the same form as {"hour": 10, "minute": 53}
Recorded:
{"hour": 9, "minute": 12}
